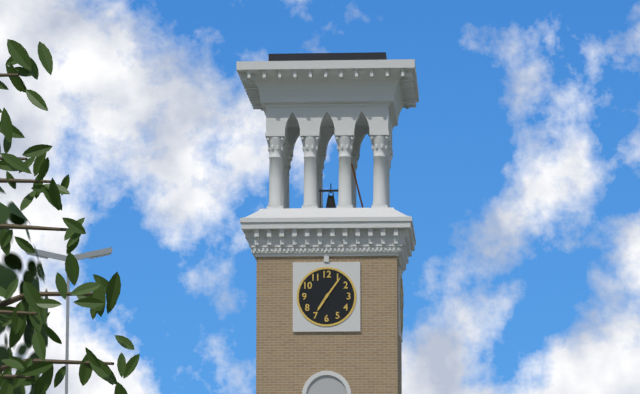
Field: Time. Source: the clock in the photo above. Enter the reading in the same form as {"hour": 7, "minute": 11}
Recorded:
{"hour": 7, "minute": 6}
